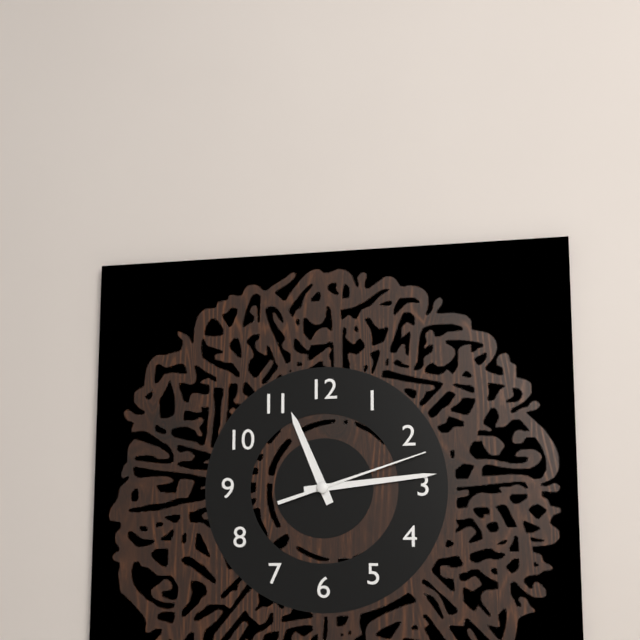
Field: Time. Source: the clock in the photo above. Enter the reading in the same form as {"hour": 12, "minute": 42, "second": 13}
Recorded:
{"hour": 11, "minute": 14, "second": 12}
